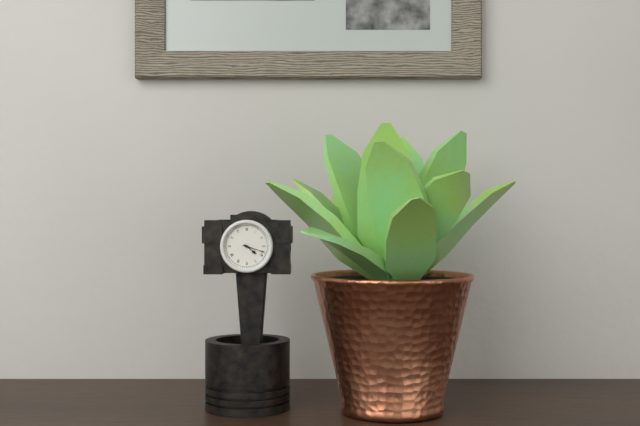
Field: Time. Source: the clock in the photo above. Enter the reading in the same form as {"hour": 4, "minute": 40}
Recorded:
{"hour": 4, "minute": 18}
